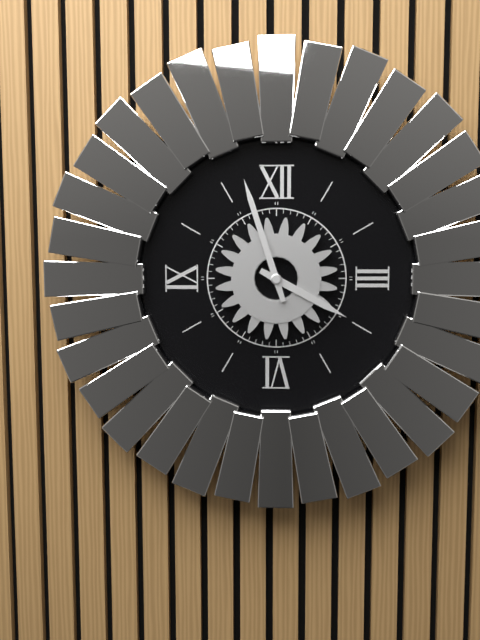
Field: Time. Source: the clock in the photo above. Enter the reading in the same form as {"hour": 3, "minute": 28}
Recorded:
{"hour": 3, "minute": 57}
